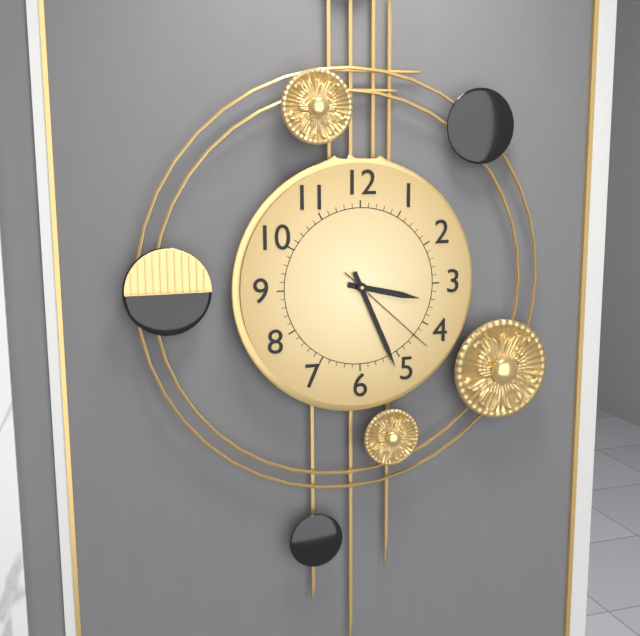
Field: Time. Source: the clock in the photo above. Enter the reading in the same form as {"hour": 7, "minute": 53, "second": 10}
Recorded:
{"hour": 3, "minute": 26, "second": 22}
